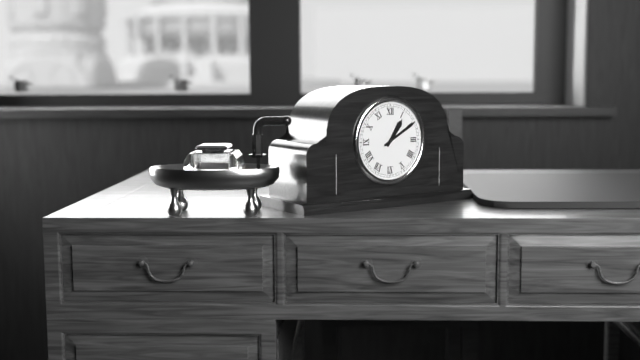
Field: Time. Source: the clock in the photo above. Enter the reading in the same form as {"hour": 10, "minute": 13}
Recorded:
{"hour": 1, "minute": 10}
